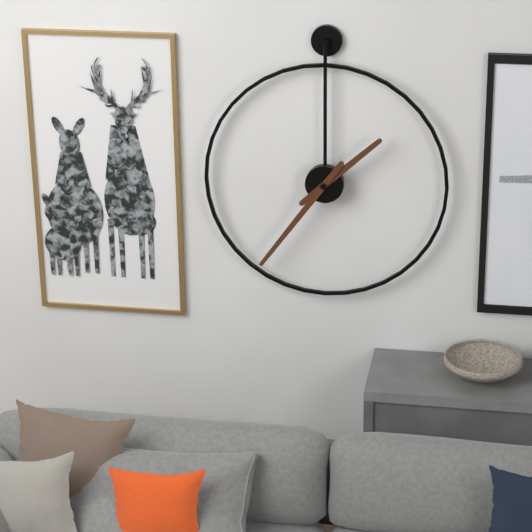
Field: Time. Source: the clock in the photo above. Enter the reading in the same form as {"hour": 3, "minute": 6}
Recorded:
{"hour": 1, "minute": 36}
